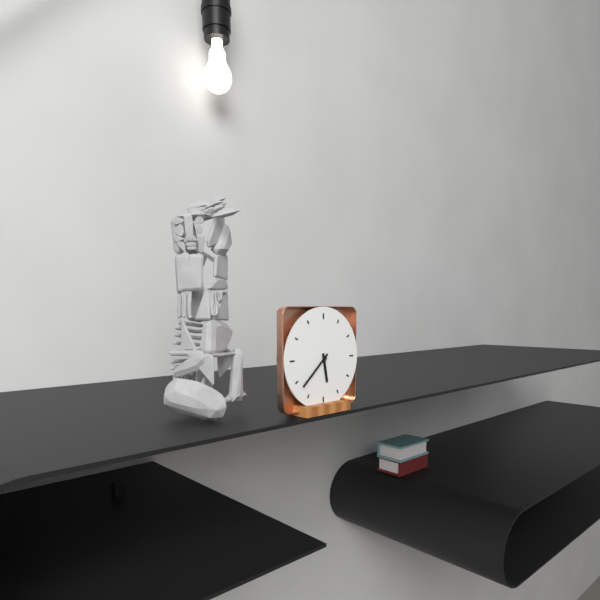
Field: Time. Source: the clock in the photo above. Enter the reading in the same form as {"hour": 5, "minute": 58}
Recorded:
{"hour": 5, "minute": 38}
